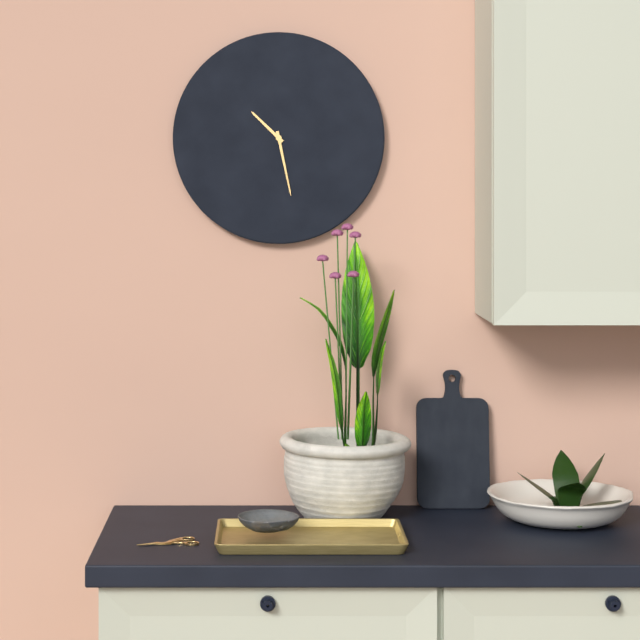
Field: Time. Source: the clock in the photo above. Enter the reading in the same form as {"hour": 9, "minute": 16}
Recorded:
{"hour": 10, "minute": 28}
